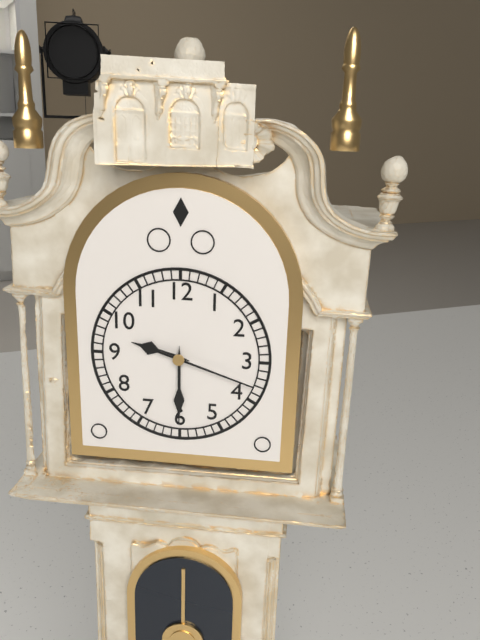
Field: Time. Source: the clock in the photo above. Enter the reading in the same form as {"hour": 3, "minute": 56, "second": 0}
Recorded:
{"hour": 9, "minute": 30, "second": 18}
